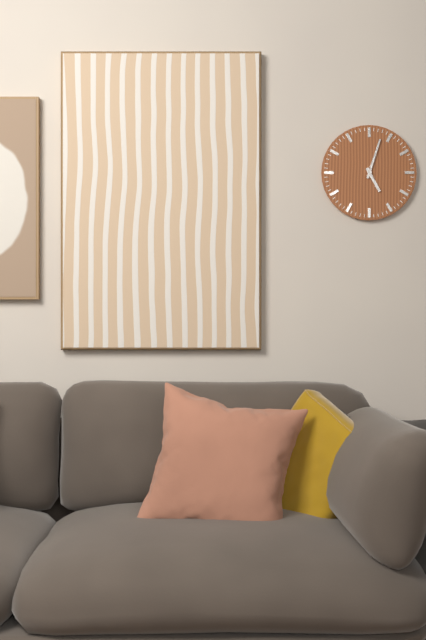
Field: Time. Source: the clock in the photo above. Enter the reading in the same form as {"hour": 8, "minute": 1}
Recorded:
{"hour": 5, "minute": 3}
